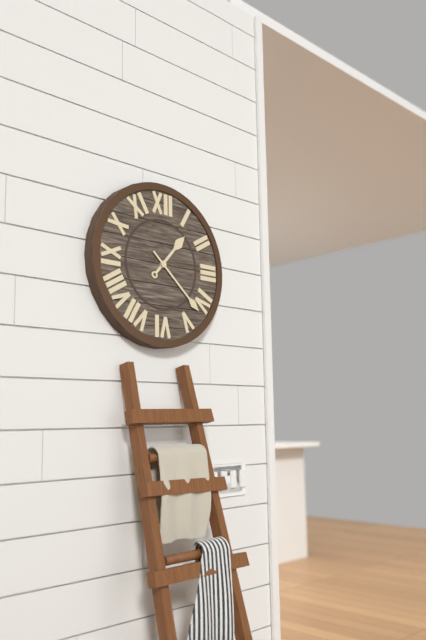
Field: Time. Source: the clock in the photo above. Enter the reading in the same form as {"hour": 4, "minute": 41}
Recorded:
{"hour": 1, "minute": 22}
